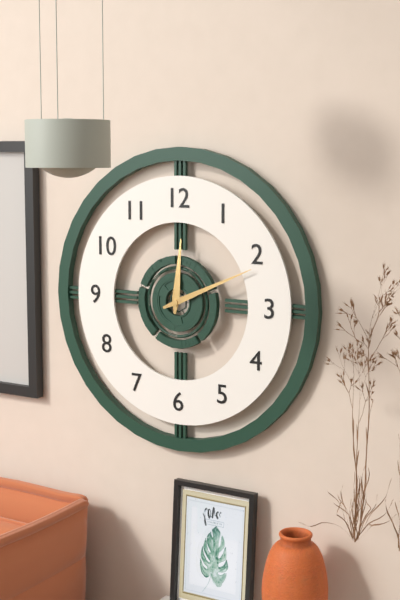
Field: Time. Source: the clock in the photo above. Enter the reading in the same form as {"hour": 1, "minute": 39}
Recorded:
{"hour": 12, "minute": 11}
